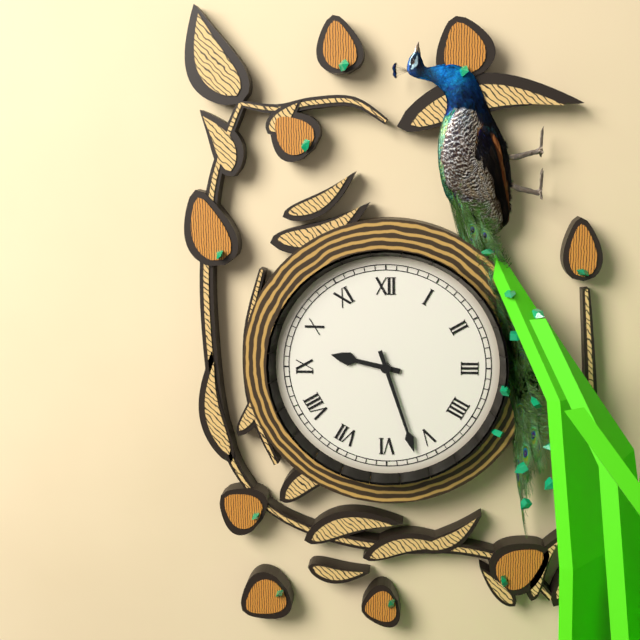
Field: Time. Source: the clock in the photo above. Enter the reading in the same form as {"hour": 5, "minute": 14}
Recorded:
{"hour": 9, "minute": 27}
